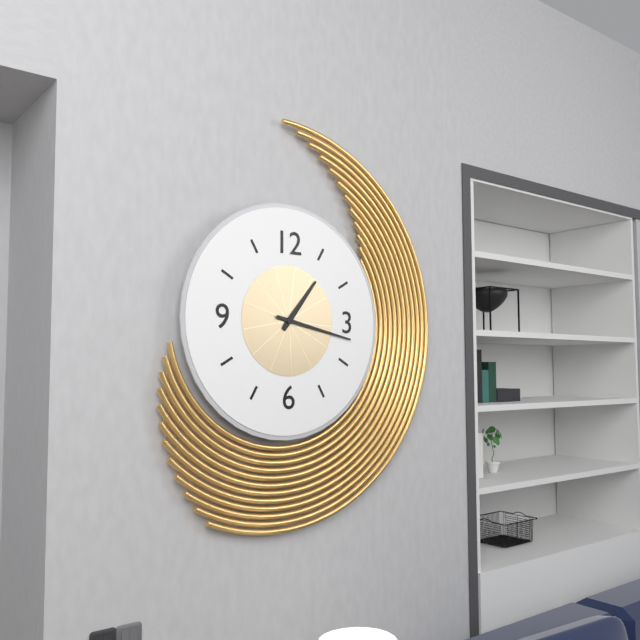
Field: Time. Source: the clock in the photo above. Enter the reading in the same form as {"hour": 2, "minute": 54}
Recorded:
{"hour": 1, "minute": 17}
